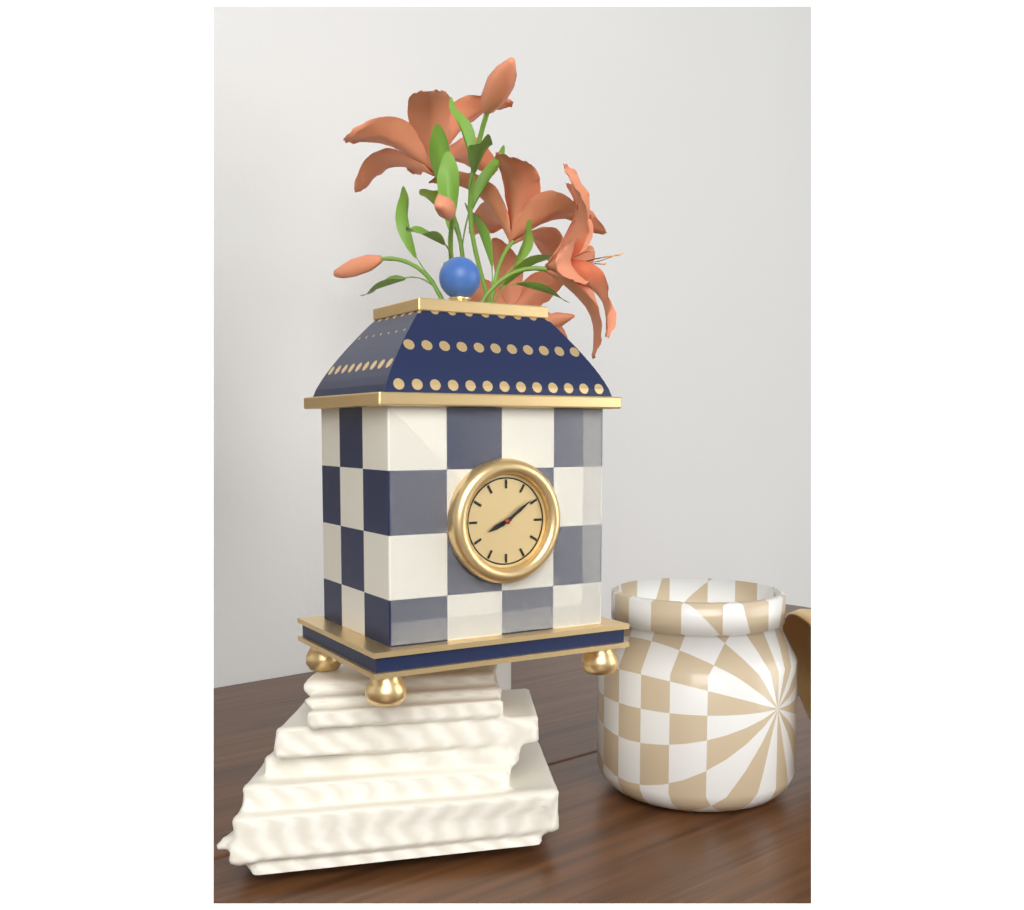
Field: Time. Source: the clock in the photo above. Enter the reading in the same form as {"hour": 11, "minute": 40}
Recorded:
{"hour": 8, "minute": 9}
